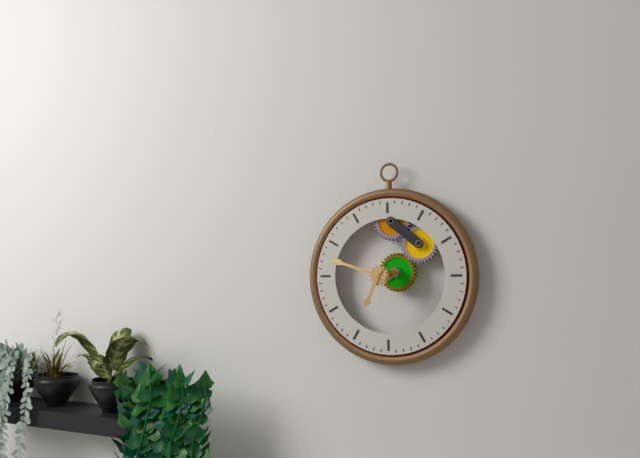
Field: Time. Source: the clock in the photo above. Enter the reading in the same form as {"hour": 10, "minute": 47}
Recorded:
{"hour": 6, "minute": 48}
